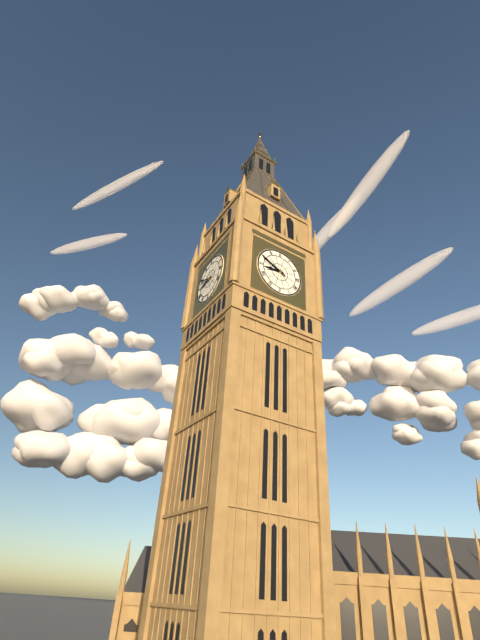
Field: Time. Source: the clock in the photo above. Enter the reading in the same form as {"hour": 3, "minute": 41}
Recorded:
{"hour": 8, "minute": 49}
